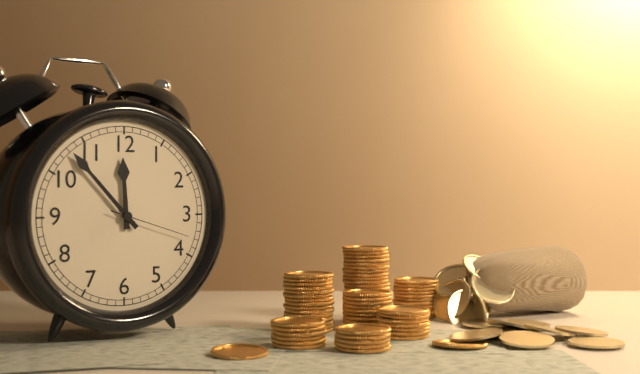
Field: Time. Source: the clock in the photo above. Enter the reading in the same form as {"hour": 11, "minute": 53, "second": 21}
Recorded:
{"hour": 11, "minute": 53, "second": 18}
